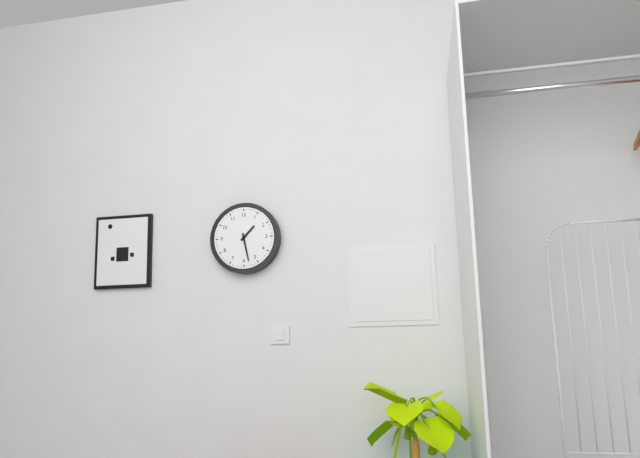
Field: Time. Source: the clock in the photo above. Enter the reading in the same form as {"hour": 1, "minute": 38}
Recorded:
{"hour": 1, "minute": 28}
